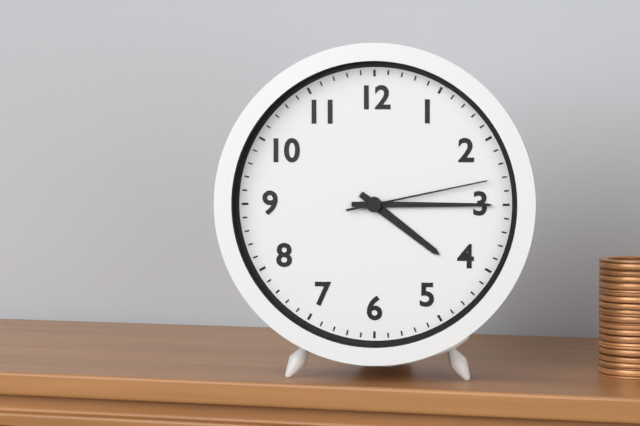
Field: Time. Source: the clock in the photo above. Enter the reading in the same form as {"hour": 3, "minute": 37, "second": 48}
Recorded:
{"hour": 4, "minute": 15, "second": 13}
